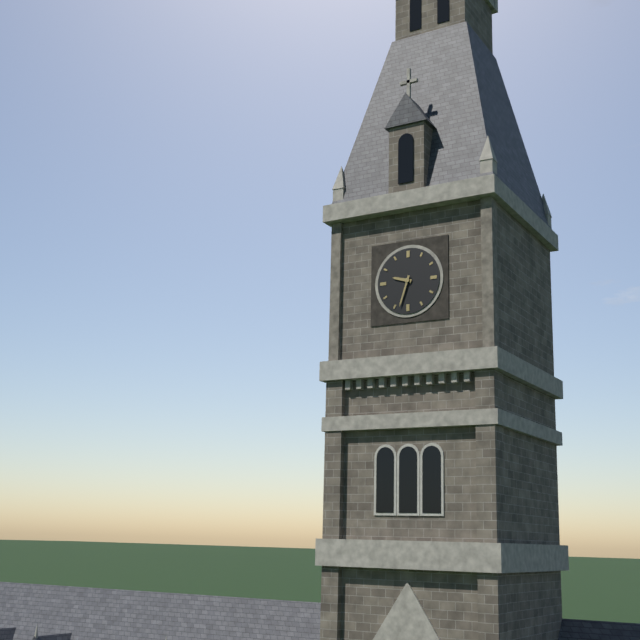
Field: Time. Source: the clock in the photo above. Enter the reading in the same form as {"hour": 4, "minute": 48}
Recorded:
{"hour": 9, "minute": 33}
